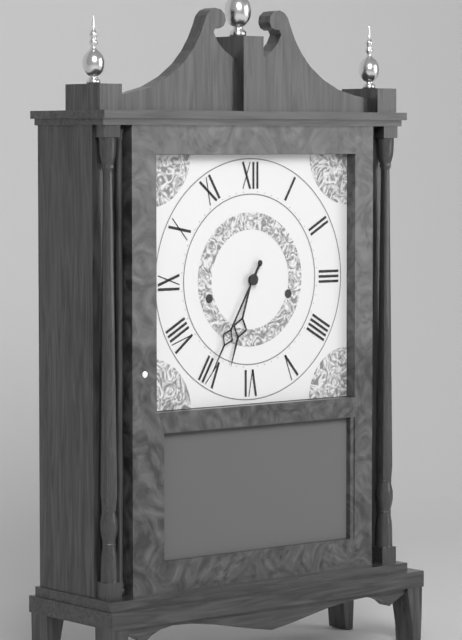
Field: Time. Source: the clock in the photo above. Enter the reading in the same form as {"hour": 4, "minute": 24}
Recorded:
{"hour": 6, "minute": 35}
